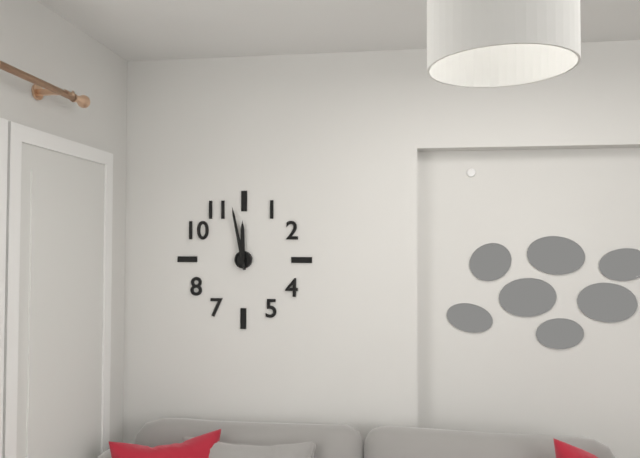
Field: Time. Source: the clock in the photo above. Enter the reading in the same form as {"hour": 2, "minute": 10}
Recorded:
{"hour": 11, "minute": 58}
